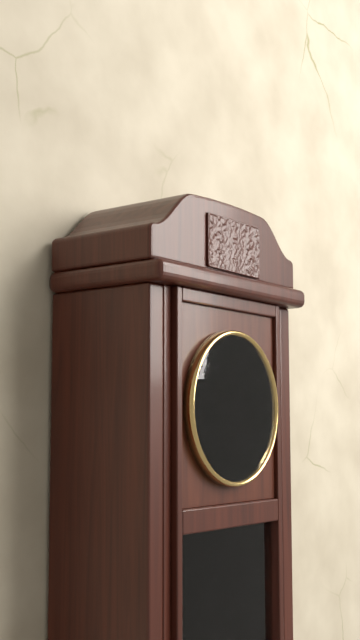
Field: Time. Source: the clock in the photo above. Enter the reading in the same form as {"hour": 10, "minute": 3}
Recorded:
{"hour": 4, "minute": 18}
